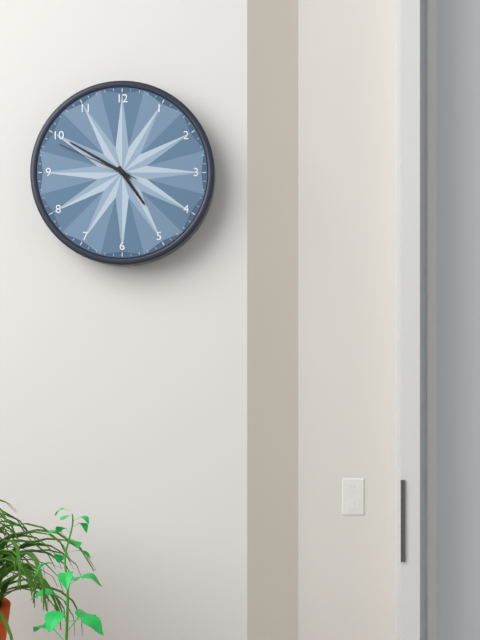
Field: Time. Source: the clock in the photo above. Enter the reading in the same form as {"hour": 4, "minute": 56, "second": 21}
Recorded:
{"hour": 4, "minute": 50, "second": 49}
